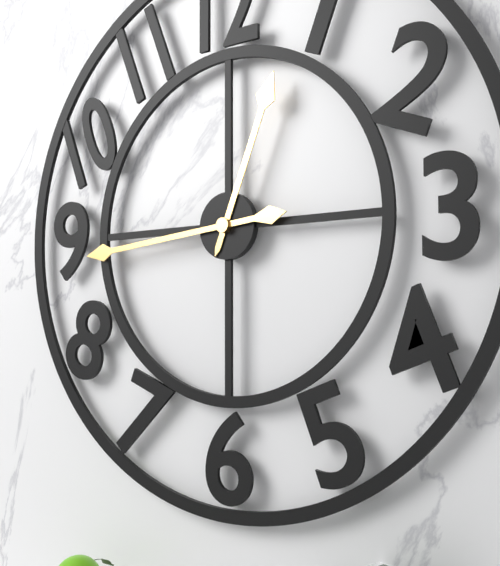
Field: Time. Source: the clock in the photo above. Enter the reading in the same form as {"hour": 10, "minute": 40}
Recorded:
{"hour": 12, "minute": 44}
